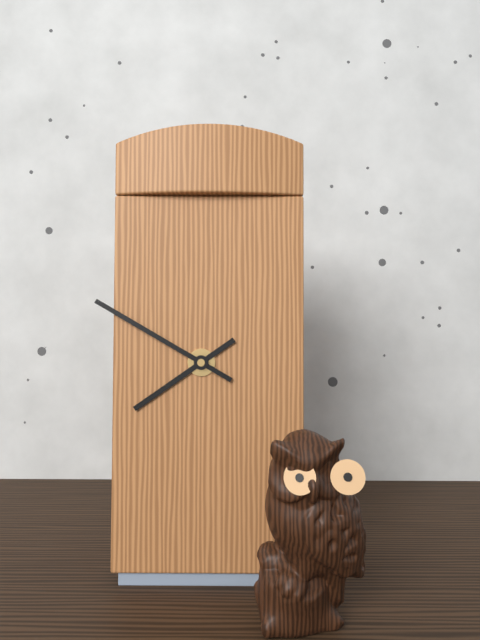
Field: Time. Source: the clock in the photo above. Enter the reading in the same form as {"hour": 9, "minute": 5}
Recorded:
{"hour": 7, "minute": 50}
